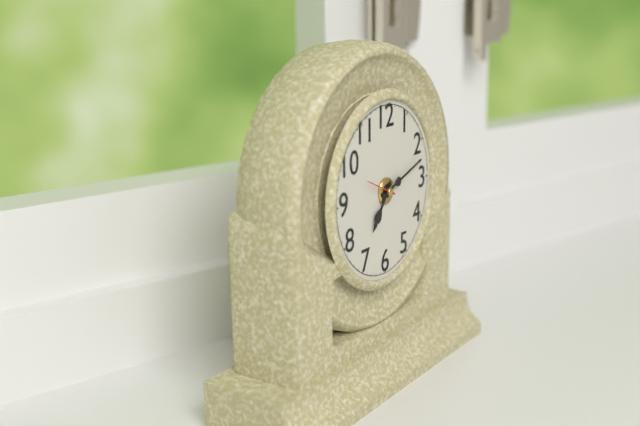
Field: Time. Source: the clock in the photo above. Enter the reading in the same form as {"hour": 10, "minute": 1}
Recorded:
{"hour": 7, "minute": 12}
